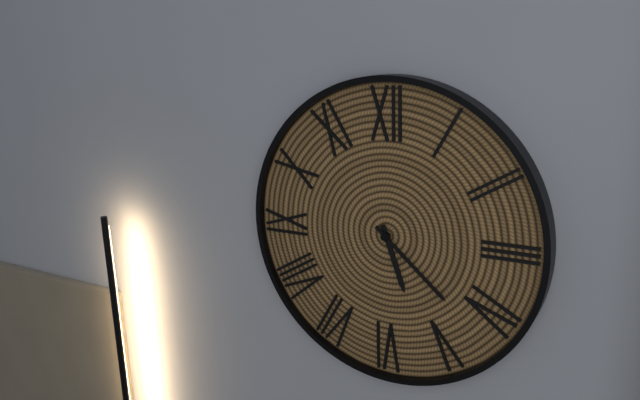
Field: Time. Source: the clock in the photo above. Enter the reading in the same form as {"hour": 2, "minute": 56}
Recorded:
{"hour": 5, "minute": 22}
